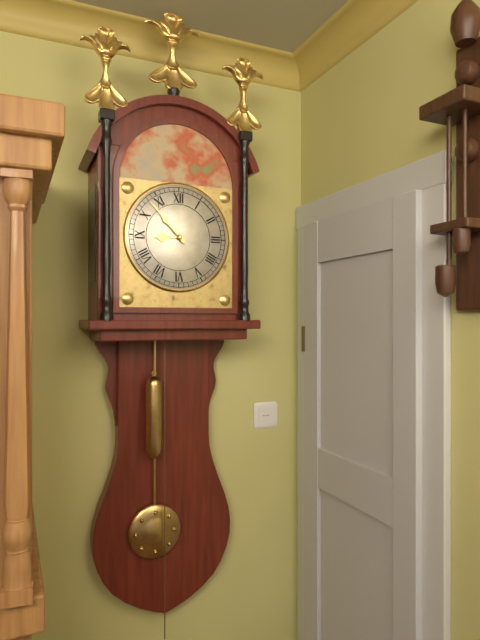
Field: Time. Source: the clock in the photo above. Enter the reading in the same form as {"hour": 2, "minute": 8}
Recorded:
{"hour": 8, "minute": 53}
